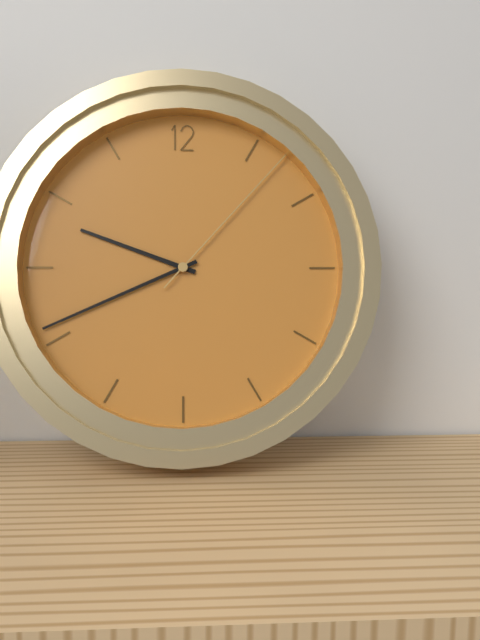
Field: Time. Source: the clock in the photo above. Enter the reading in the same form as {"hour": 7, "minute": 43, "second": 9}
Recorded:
{"hour": 9, "minute": 41, "second": 7}
